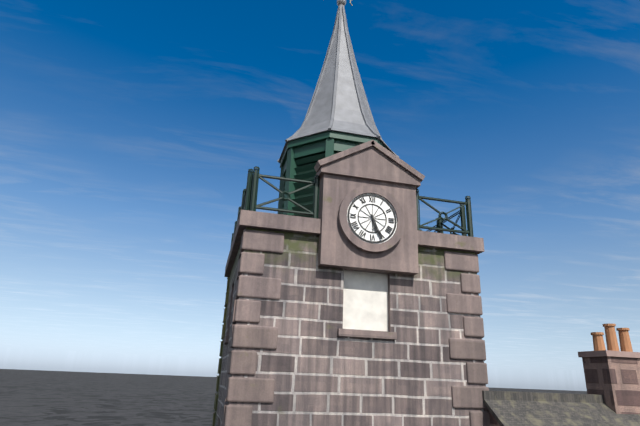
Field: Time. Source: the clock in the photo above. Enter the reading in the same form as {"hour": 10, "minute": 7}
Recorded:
{"hour": 5, "minute": 26}
